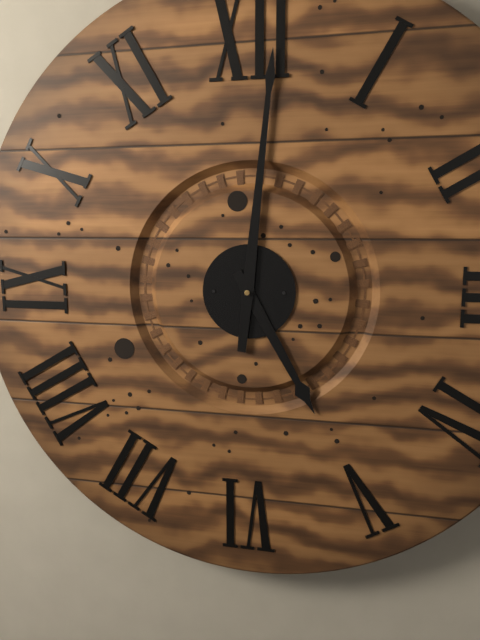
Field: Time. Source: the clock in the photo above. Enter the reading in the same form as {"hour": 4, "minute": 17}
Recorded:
{"hour": 5, "minute": 1}
